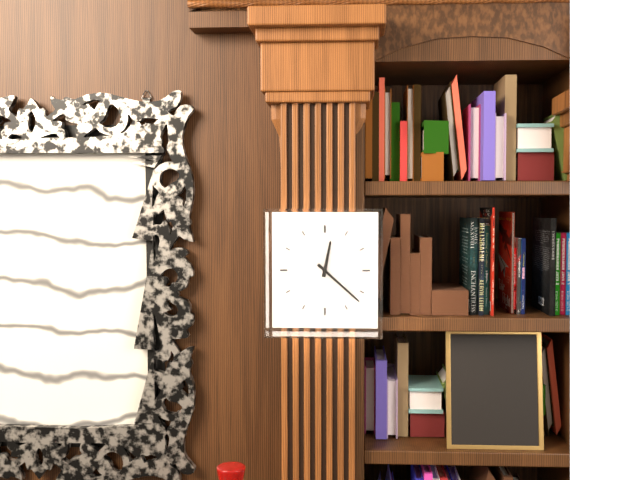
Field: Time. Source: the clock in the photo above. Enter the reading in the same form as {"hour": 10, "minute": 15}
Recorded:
{"hour": 12, "minute": 22}
